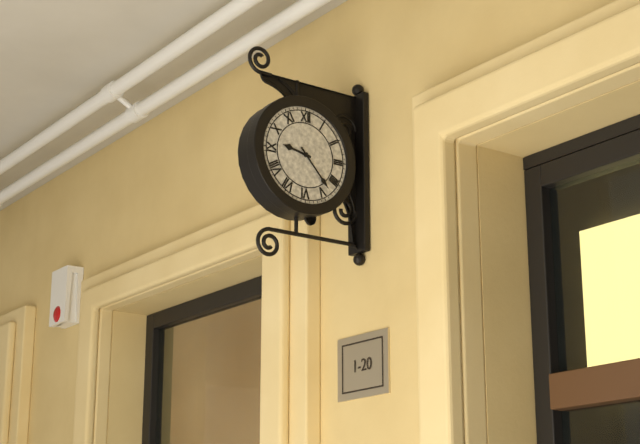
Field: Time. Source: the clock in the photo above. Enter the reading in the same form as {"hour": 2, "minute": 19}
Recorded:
{"hour": 9, "minute": 23}
